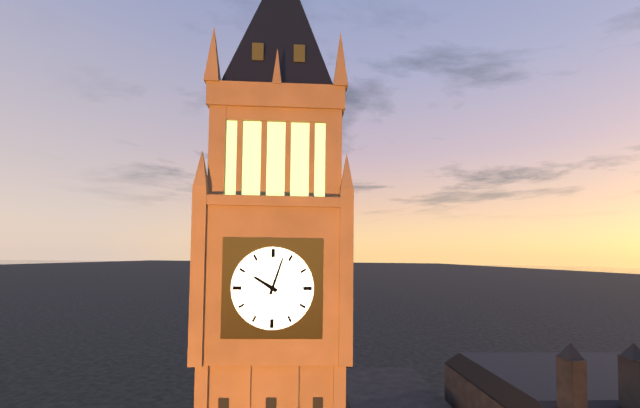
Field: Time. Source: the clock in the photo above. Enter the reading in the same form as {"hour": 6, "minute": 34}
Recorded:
{"hour": 10, "minute": 3}
